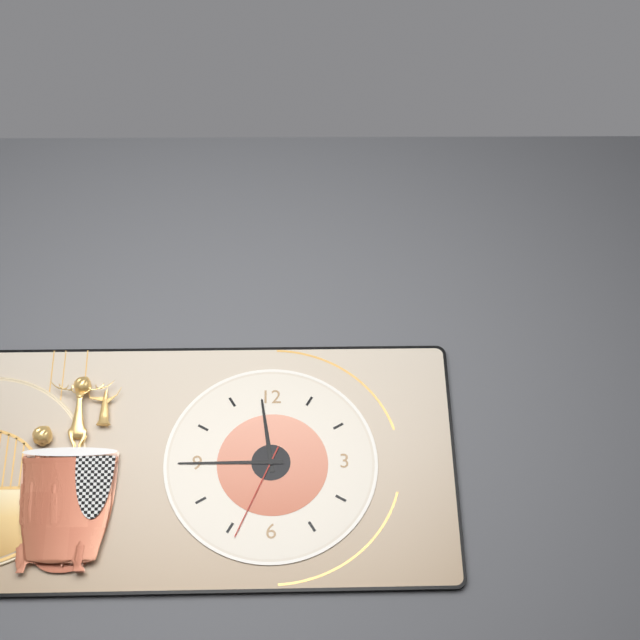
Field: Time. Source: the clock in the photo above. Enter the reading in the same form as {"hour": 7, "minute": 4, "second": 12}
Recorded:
{"hour": 11, "minute": 45, "second": 34}
